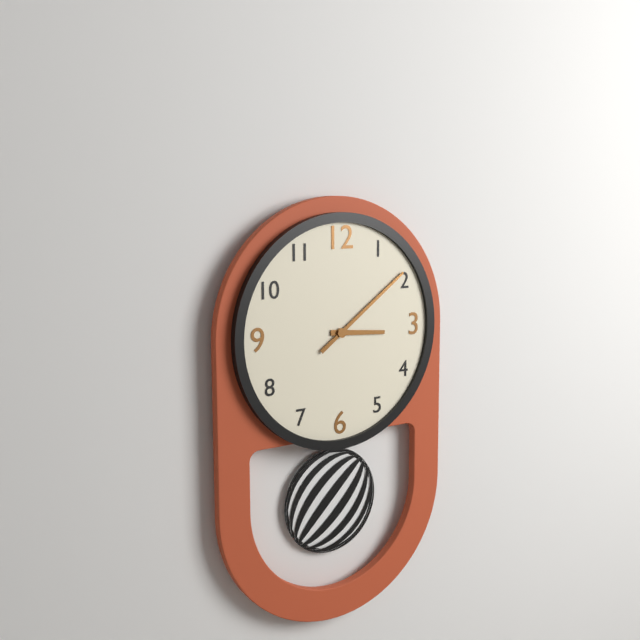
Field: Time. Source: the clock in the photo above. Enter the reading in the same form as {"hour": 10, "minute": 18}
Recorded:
{"hour": 3, "minute": 9}
